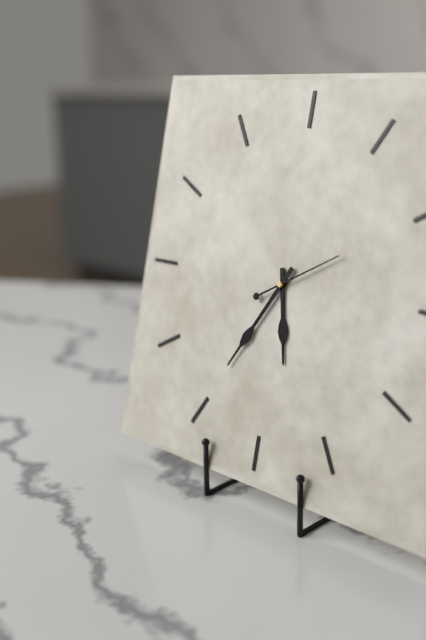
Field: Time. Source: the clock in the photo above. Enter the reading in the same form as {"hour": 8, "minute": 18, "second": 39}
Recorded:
{"hour": 5, "minute": 35, "second": 10}
